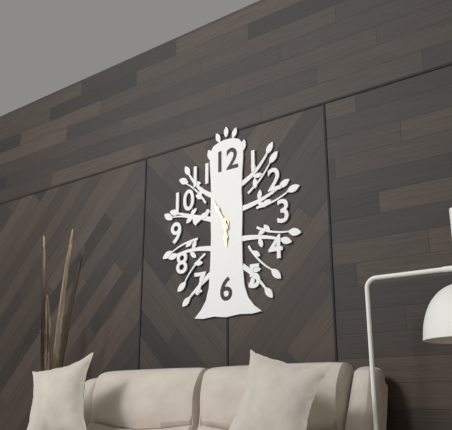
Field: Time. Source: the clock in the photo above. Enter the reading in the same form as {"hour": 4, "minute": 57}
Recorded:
{"hour": 5, "minute": 55}
